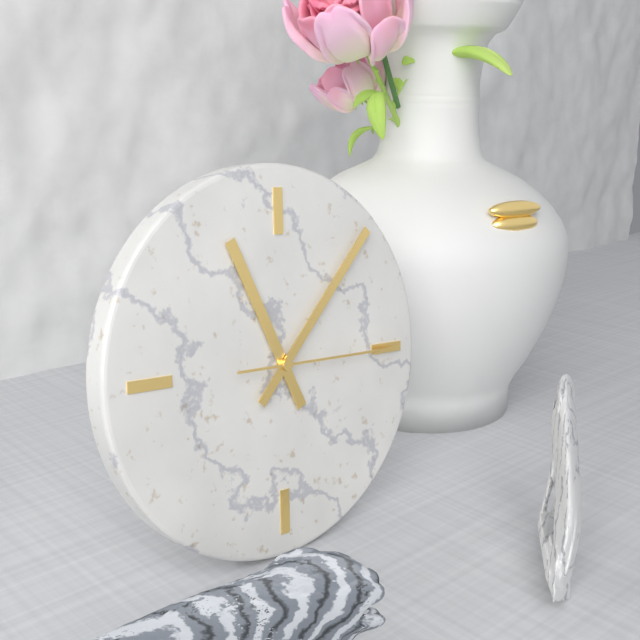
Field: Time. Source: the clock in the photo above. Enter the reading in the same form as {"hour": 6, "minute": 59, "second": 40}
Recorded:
{"hour": 11, "minute": 7, "second": 15}
